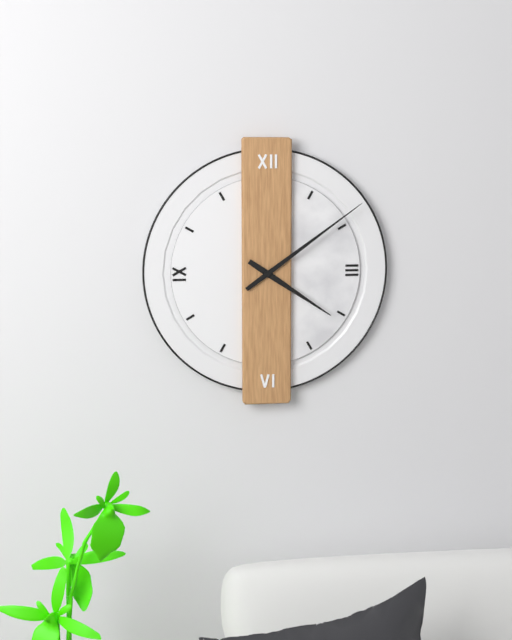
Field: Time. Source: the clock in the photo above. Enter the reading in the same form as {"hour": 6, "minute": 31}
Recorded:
{"hour": 4, "minute": 9}
